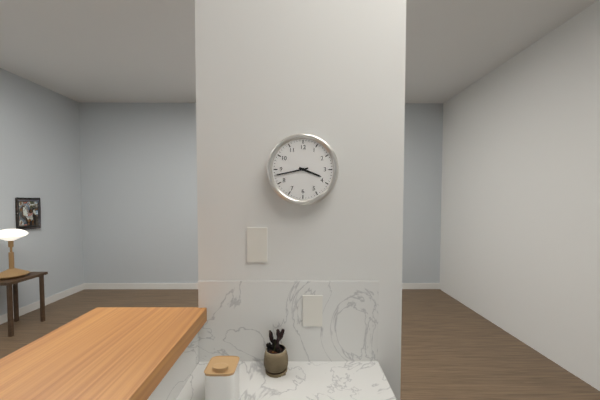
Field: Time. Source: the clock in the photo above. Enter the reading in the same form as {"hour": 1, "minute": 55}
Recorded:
{"hour": 3, "minute": 43}
